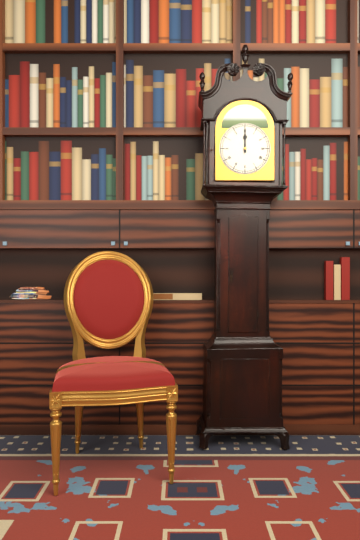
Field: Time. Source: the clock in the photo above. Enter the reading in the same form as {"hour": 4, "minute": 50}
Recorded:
{"hour": 12, "minute": 0}
